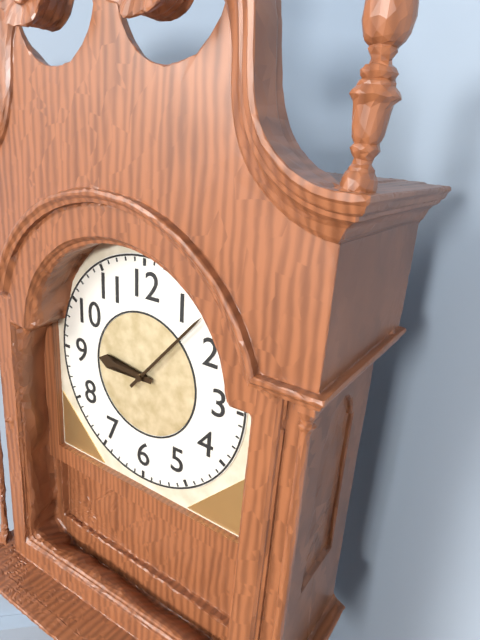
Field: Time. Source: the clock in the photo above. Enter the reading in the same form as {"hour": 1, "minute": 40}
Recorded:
{"hour": 9, "minute": 7}
